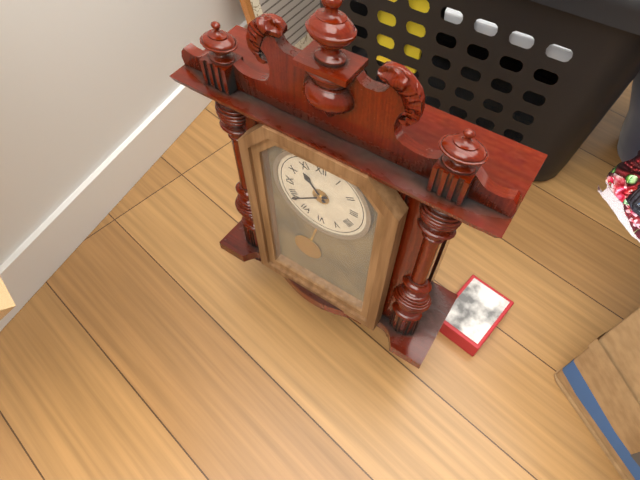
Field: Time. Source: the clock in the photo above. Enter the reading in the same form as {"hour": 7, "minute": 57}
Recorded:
{"hour": 10, "minute": 39}
